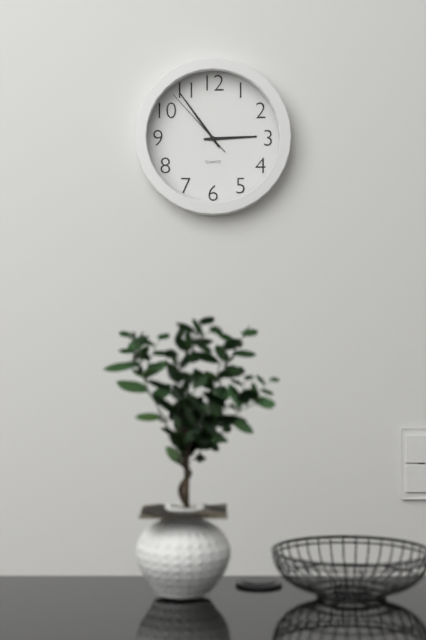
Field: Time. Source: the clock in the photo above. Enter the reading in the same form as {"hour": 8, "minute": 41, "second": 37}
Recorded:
{"hour": 2, "minute": 54, "second": 53}
